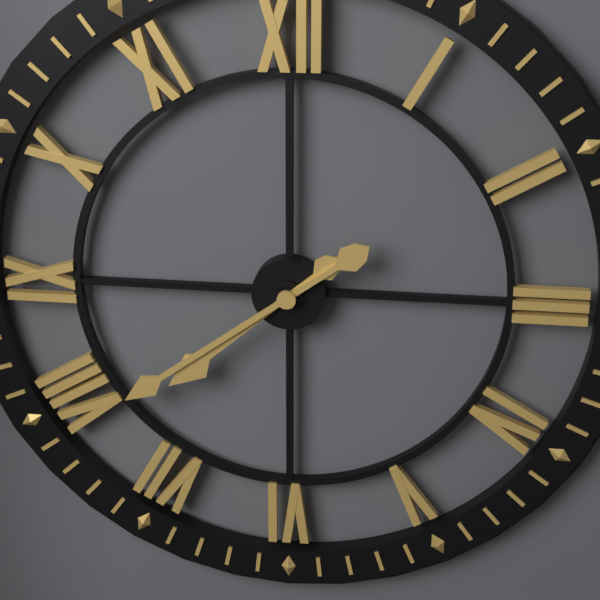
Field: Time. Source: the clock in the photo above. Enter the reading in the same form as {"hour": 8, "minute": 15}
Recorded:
{"hour": 7, "minute": 39}
